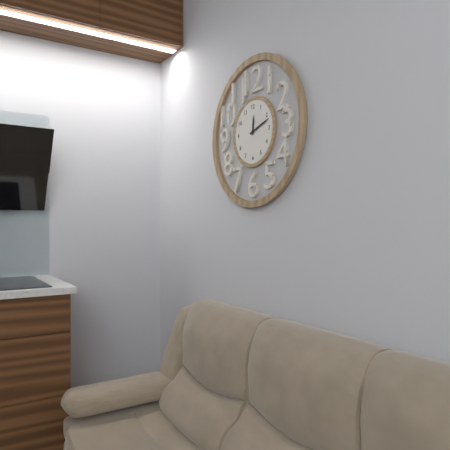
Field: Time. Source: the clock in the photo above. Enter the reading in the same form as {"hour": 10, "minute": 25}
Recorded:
{"hour": 12, "minute": 12}
